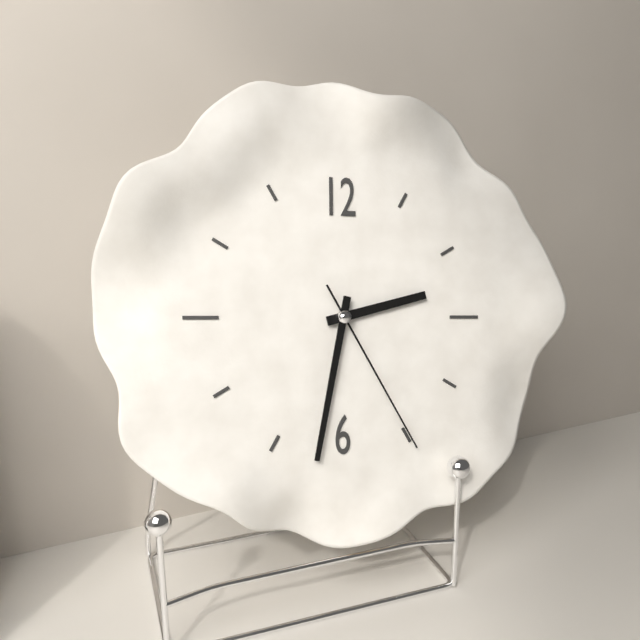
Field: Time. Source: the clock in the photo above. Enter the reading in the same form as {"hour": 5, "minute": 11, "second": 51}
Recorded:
{"hour": 2, "minute": 32, "second": 25}
